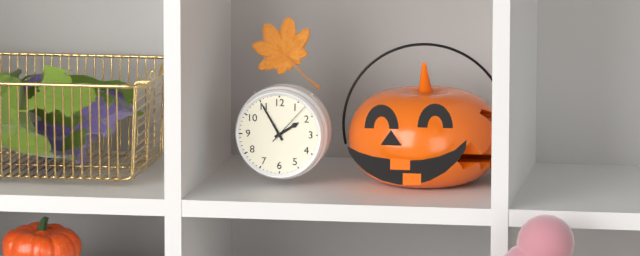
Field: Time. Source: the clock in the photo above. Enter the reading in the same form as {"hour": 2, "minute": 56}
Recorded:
{"hour": 1, "minute": 55}
